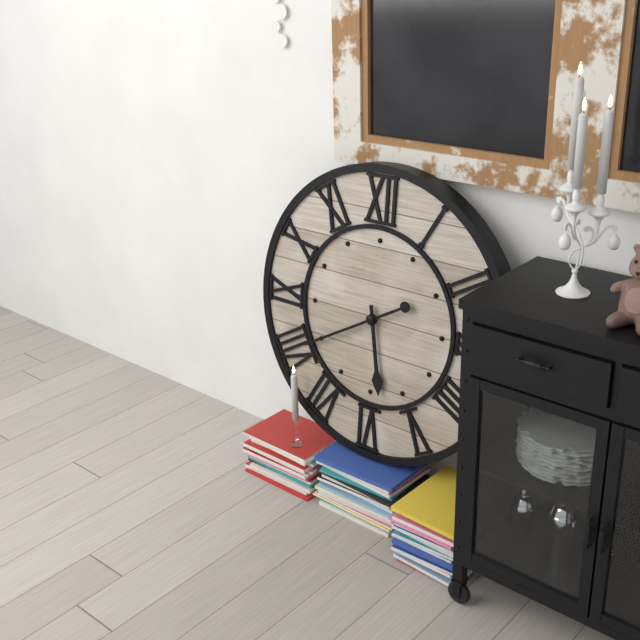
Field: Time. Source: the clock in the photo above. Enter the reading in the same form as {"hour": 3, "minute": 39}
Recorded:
{"hour": 5, "minute": 40}
